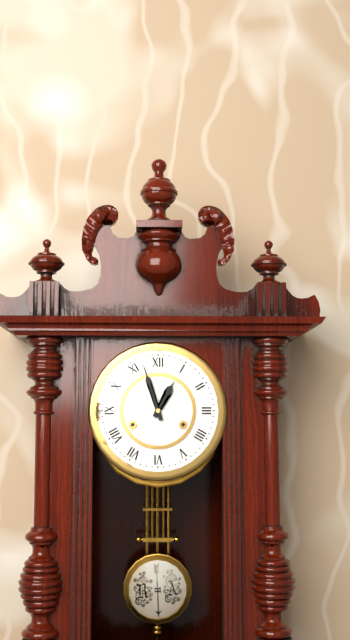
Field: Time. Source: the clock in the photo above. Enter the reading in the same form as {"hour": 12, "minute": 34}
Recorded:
{"hour": 12, "minute": 57}
